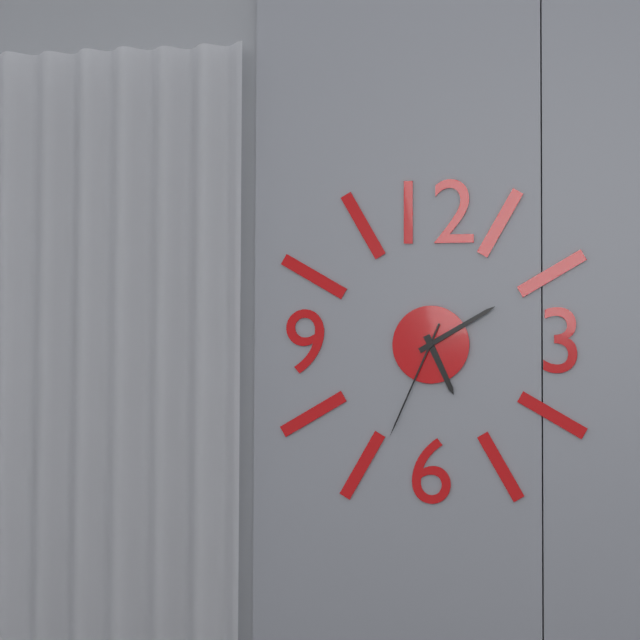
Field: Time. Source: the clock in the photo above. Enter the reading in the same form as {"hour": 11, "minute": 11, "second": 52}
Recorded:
{"hour": 5, "minute": 10, "second": 34}
